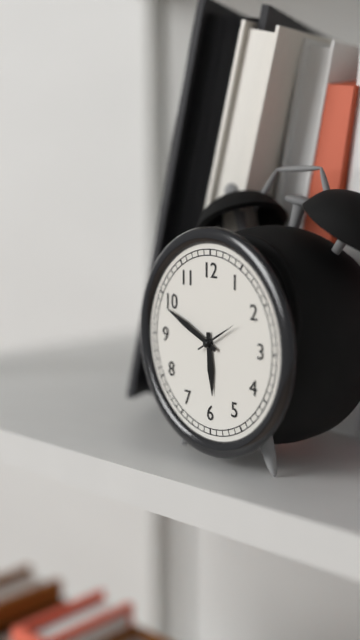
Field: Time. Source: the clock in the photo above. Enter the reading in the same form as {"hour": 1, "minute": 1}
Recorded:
{"hour": 5, "minute": 49}
